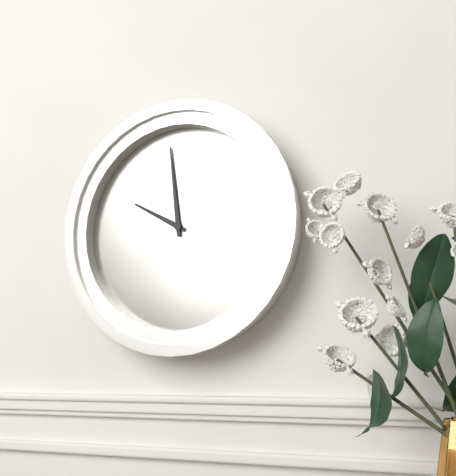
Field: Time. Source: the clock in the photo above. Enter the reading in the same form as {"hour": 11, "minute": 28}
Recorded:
{"hour": 9, "minute": 59}
